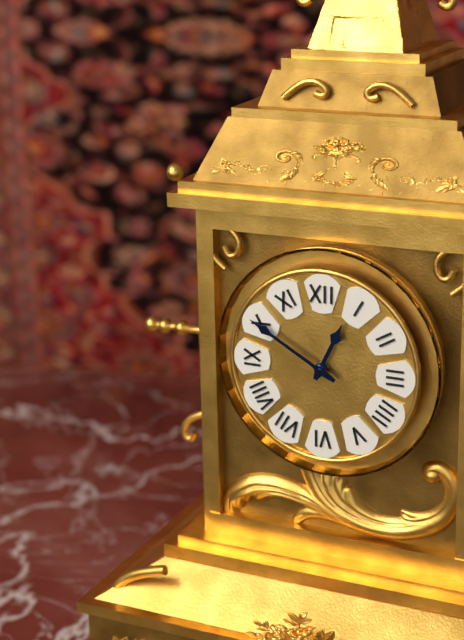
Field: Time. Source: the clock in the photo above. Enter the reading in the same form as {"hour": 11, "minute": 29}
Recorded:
{"hour": 12, "minute": 50}
